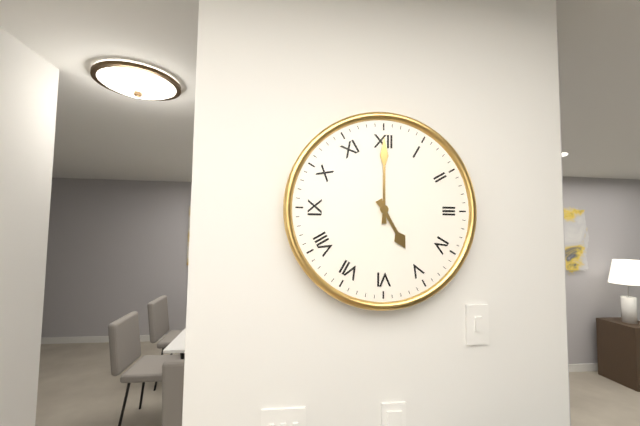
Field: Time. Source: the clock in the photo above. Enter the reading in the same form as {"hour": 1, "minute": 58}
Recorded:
{"hour": 5, "minute": 0}
